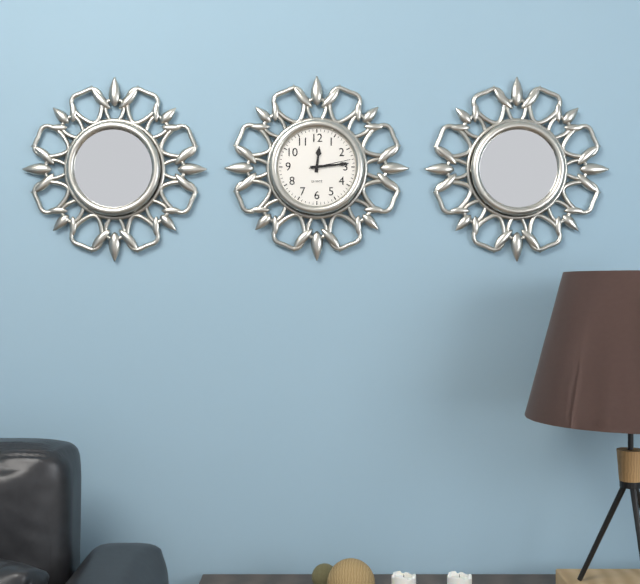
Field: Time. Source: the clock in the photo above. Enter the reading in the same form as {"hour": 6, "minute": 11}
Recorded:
{"hour": 12, "minute": 14}
